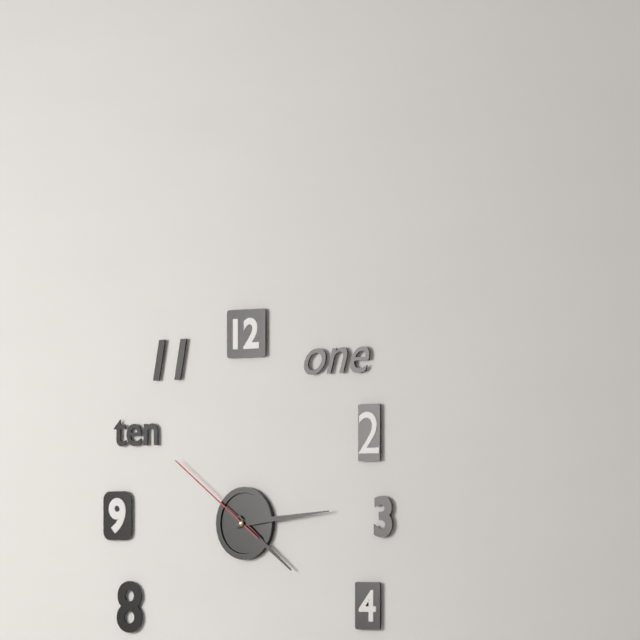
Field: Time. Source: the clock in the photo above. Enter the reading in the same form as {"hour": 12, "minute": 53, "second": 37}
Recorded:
{"hour": 4, "minute": 14, "second": 51}
